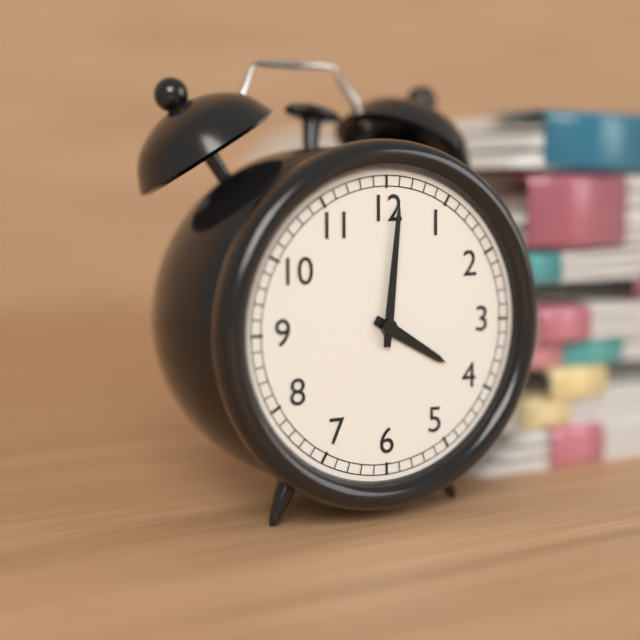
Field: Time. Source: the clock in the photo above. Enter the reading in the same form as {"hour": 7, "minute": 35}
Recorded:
{"hour": 4, "minute": 1}
